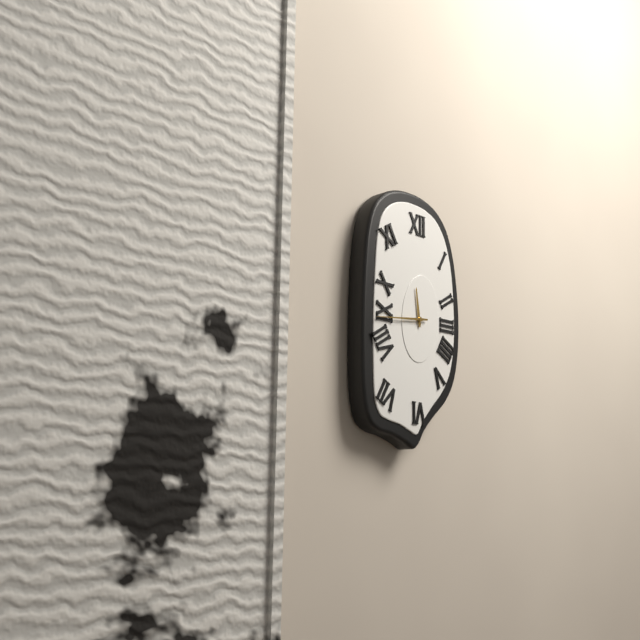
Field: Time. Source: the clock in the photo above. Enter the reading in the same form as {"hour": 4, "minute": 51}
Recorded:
{"hour": 11, "minute": 44}
